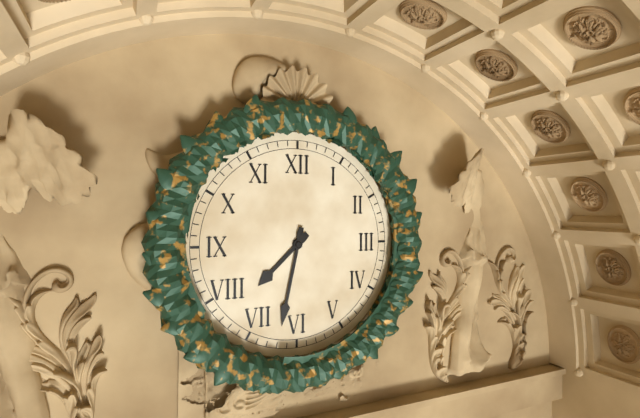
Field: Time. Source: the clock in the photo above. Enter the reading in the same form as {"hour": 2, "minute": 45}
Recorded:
{"hour": 7, "minute": 32}
